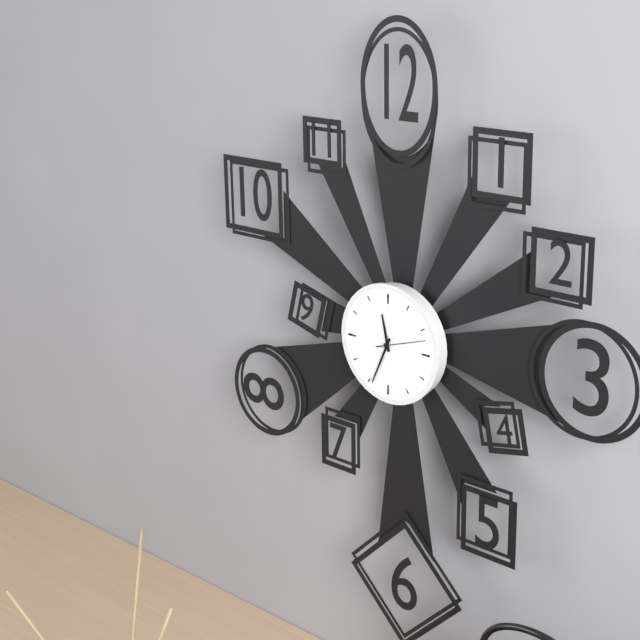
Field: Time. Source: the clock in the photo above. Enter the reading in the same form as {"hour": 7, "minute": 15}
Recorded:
{"hour": 11, "minute": 34}
